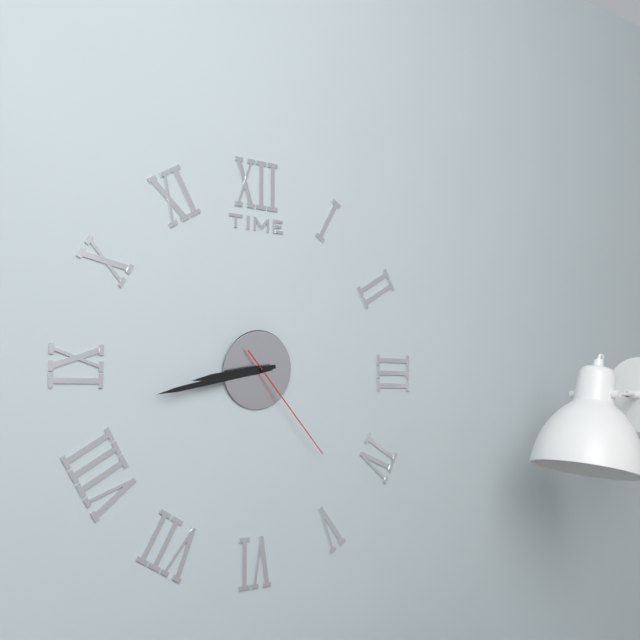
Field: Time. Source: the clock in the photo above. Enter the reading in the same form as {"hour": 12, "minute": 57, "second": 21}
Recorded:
{"hour": 8, "minute": 43, "second": 23}
